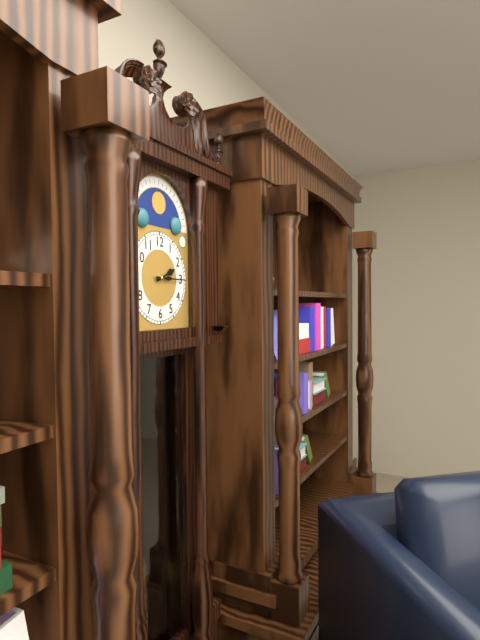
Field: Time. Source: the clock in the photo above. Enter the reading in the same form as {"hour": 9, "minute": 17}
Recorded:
{"hour": 2, "minute": 15}
